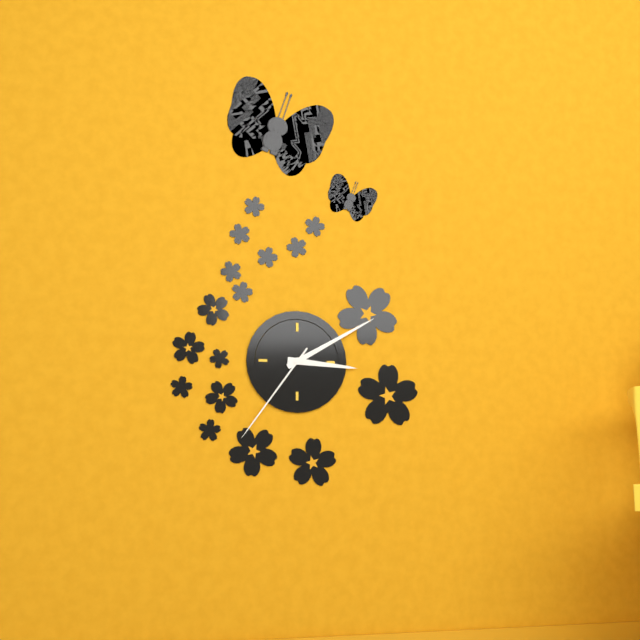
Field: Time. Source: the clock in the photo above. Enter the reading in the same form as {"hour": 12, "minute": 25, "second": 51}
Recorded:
{"hour": 3, "minute": 10, "second": 36}
